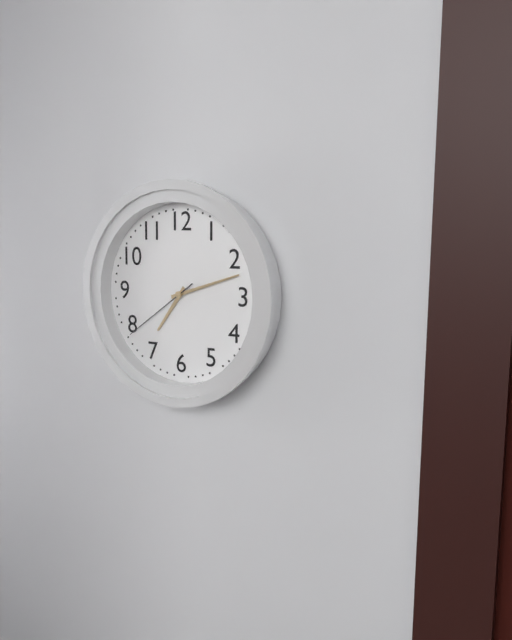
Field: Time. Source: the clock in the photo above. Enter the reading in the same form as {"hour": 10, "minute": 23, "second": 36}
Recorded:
{"hour": 7, "minute": 12, "second": 39}
